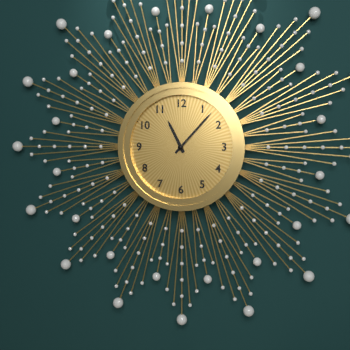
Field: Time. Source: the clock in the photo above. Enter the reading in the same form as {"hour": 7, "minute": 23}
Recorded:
{"hour": 11, "minute": 7}
